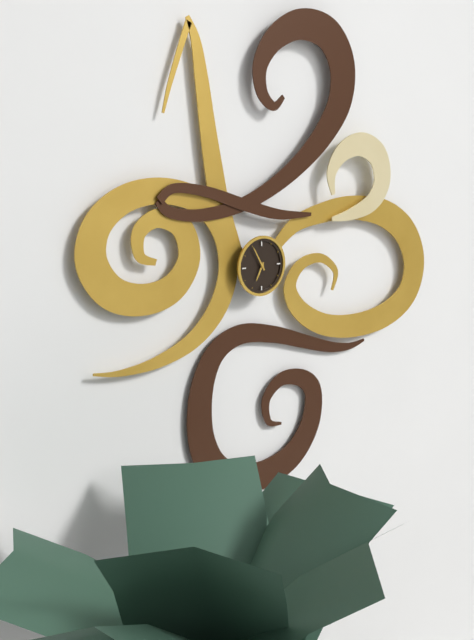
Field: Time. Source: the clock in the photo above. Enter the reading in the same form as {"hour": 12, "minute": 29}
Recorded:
{"hour": 6, "minute": 55}
